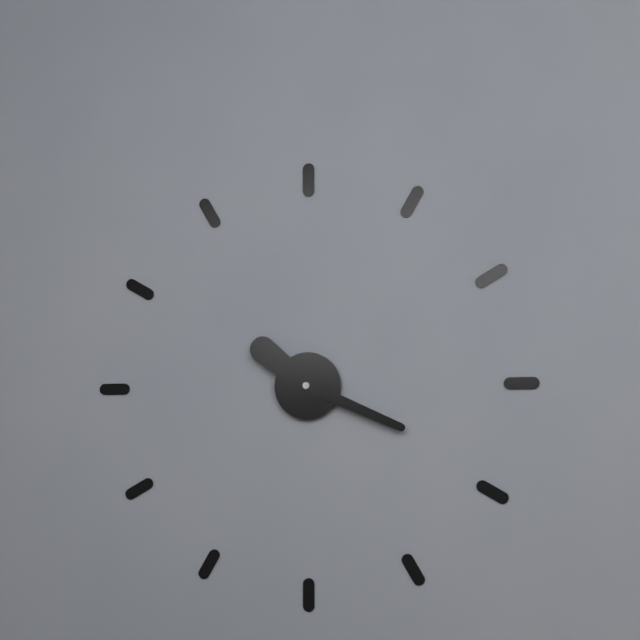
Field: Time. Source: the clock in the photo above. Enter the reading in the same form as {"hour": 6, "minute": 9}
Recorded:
{"hour": 10, "minute": 19}
